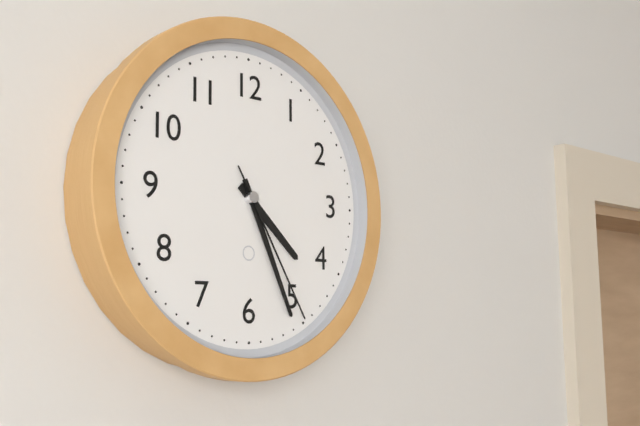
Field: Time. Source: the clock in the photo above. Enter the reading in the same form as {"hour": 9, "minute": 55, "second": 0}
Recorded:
{"hour": 4, "minute": 26, "second": 25}
